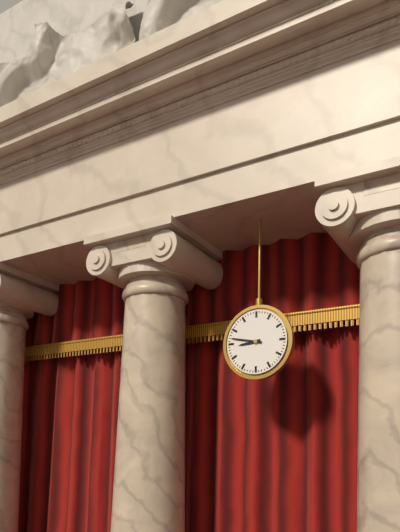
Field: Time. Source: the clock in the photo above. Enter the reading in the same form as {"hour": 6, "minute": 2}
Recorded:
{"hour": 8, "minute": 47}
